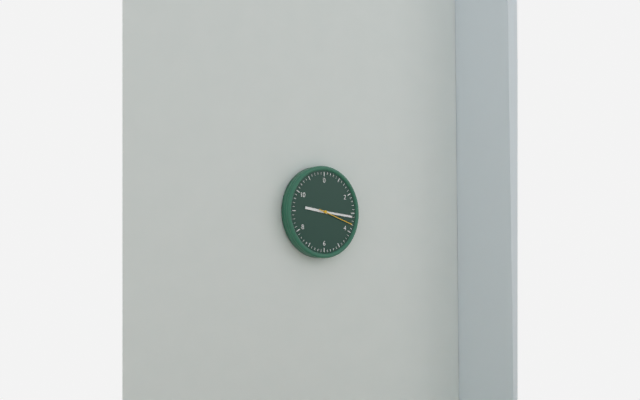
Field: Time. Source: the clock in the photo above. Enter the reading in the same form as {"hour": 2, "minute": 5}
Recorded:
{"hour": 9, "minute": 16}
